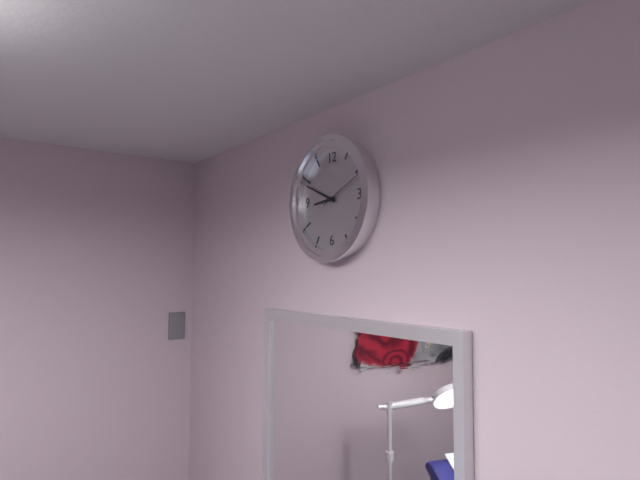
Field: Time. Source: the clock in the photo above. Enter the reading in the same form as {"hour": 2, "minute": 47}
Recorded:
{"hour": 8, "minute": 49}
